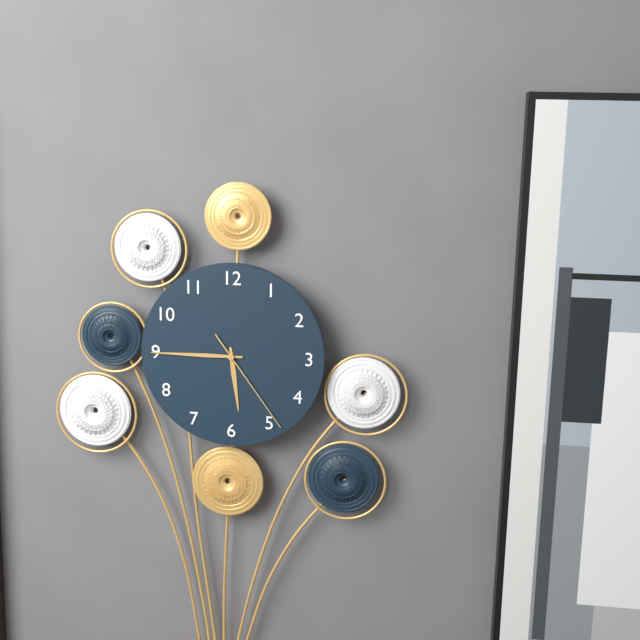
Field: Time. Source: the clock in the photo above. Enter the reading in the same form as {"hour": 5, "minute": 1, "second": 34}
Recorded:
{"hour": 5, "minute": 45, "second": 24}
